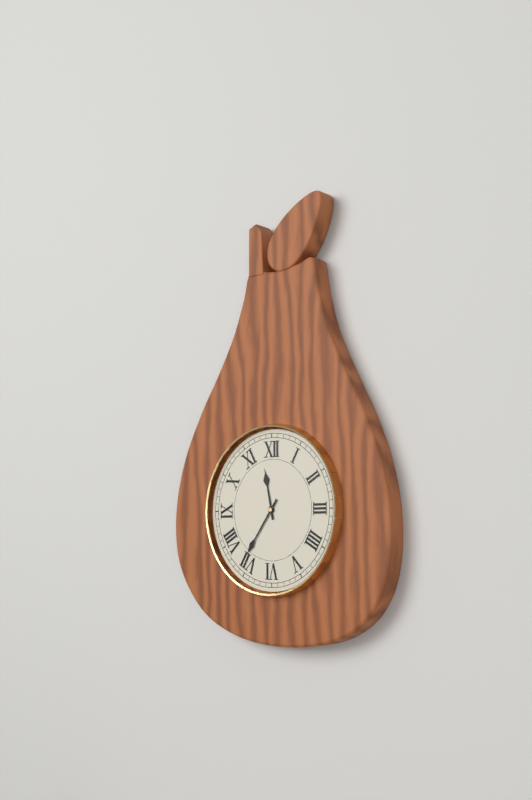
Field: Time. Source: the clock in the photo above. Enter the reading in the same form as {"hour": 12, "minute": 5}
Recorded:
{"hour": 11, "minute": 36}
